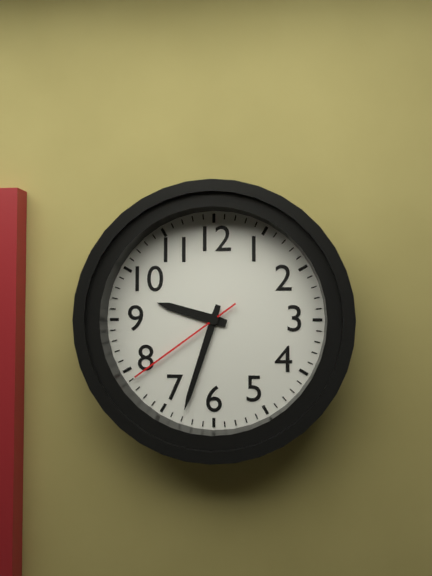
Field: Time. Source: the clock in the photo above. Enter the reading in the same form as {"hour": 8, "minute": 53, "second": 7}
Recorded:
{"hour": 9, "minute": 33, "second": 39}
